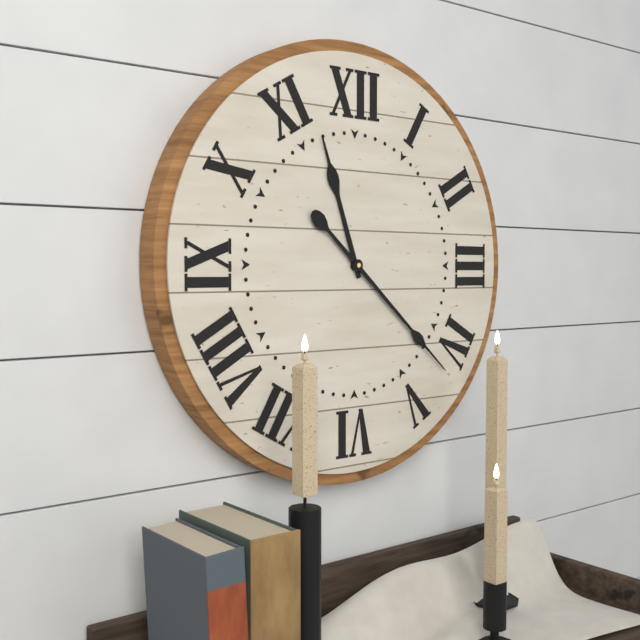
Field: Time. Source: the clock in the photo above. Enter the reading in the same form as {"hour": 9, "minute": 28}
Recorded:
{"hour": 11, "minute": 22}
